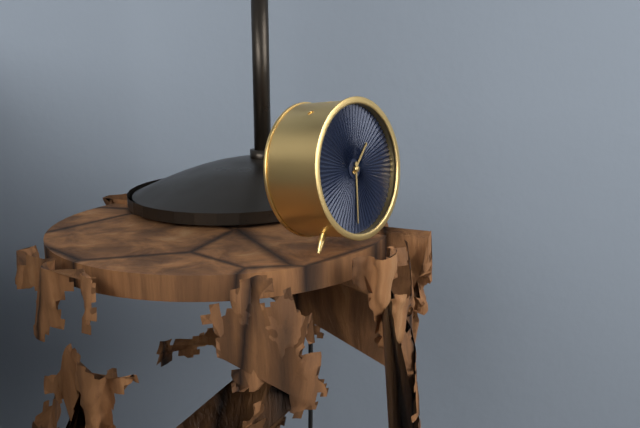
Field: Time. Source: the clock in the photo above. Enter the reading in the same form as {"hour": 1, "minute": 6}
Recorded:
{"hour": 1, "minute": 31}
